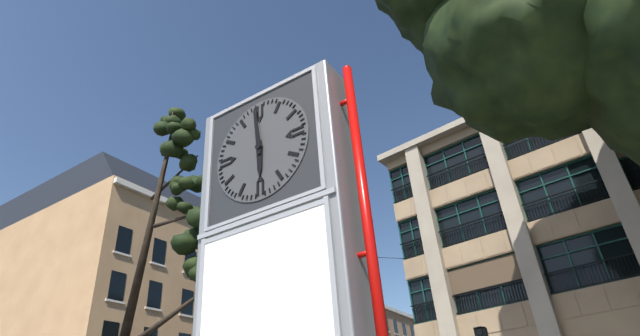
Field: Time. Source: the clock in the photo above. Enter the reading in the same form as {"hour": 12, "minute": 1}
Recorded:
{"hour": 5, "minute": 59}
